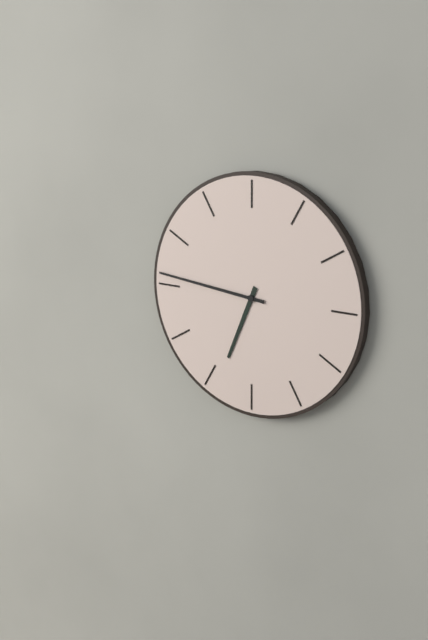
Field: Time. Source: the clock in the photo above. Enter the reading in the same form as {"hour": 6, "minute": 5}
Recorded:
{"hour": 6, "minute": 46}
